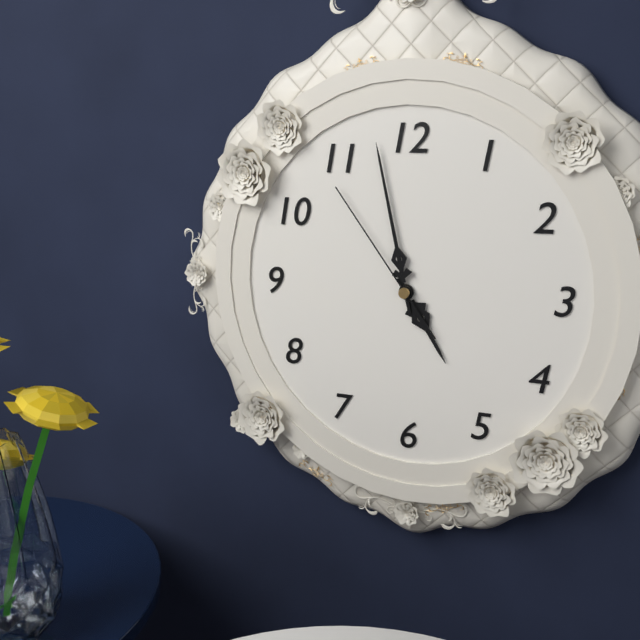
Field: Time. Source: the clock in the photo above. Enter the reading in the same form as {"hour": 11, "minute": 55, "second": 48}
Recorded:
{"hour": 4, "minute": 58, "second": 54}
